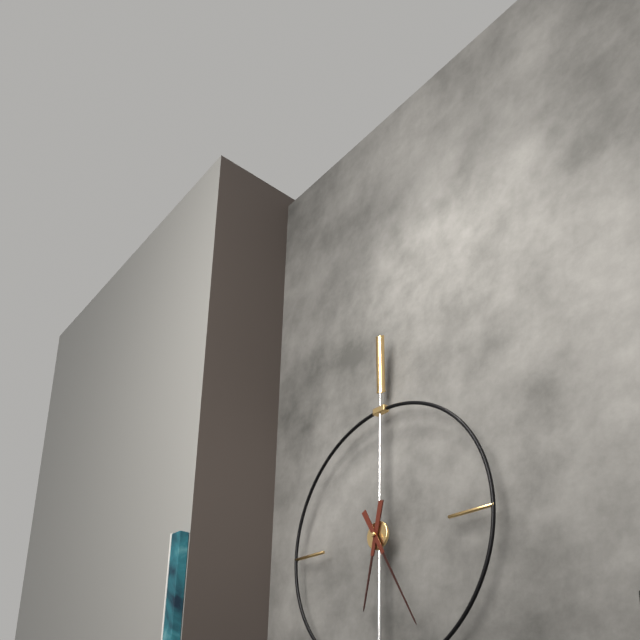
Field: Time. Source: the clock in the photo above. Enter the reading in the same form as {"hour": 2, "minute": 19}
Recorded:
{"hour": 6, "minute": 25}
